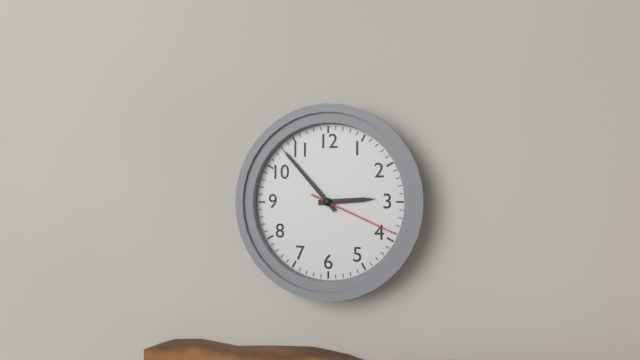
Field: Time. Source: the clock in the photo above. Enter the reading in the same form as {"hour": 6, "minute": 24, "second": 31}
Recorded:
{"hour": 2, "minute": 53, "second": 19}
